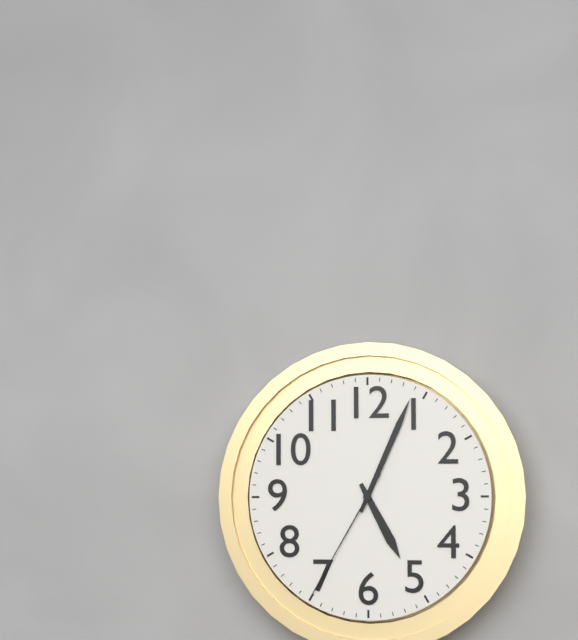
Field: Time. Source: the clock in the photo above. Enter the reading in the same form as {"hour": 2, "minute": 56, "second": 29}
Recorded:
{"hour": 5, "minute": 4, "second": 35}
